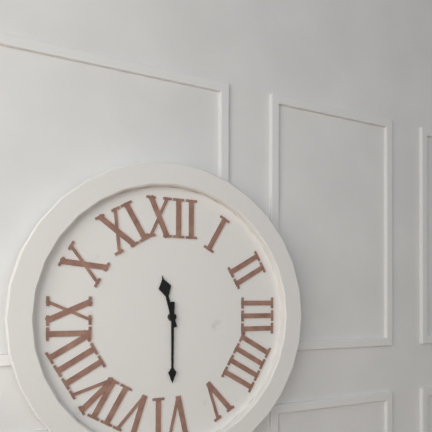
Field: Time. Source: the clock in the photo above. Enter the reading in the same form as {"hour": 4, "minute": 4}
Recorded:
{"hour": 11, "minute": 30}
